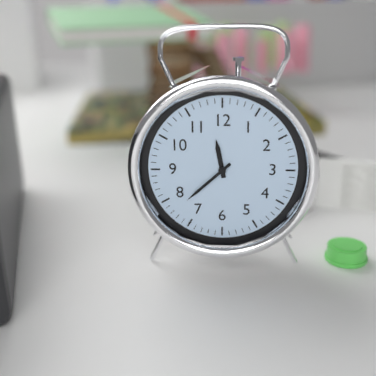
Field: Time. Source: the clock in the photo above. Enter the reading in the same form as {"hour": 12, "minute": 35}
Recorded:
{"hour": 11, "minute": 38}
